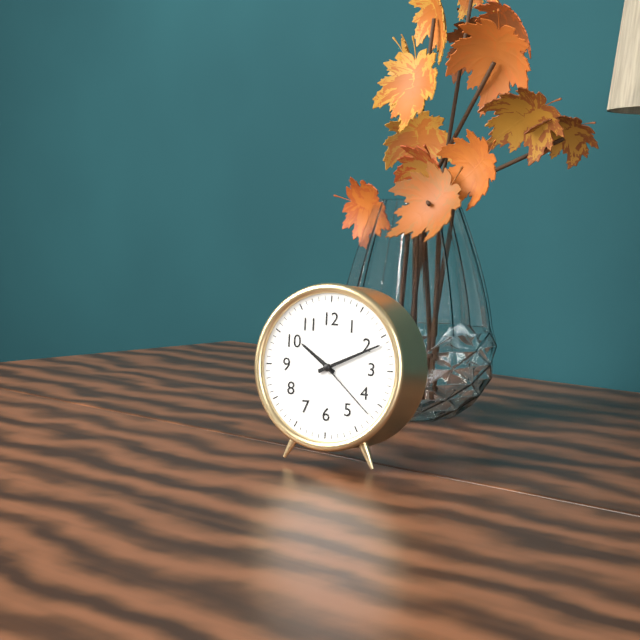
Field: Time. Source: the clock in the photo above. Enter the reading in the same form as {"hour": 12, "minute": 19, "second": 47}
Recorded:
{"hour": 10, "minute": 11, "second": 22}
